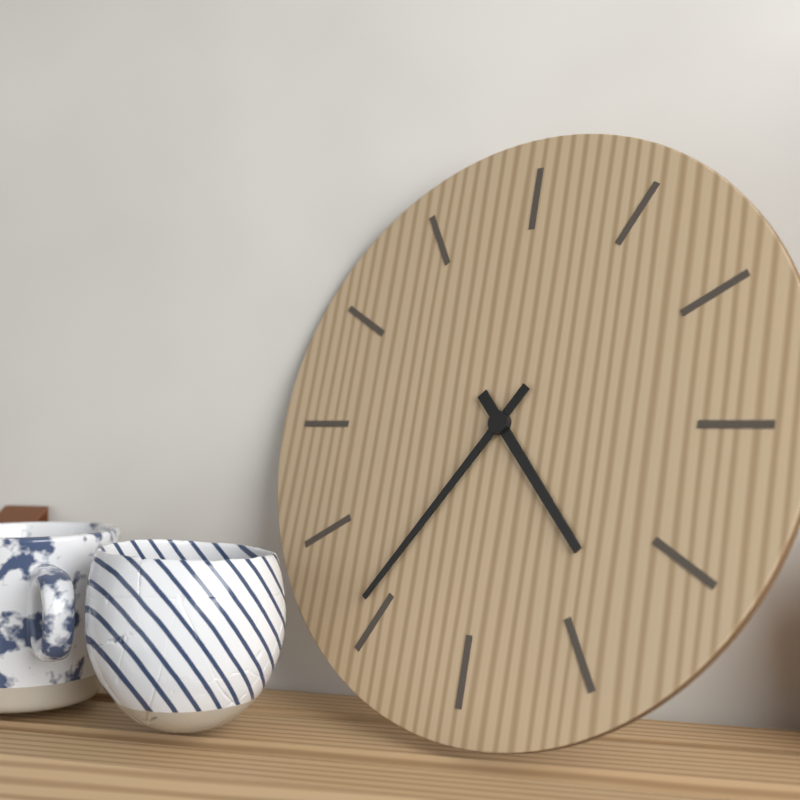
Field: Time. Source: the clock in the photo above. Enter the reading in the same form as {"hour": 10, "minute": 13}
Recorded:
{"hour": 4, "minute": 36}
